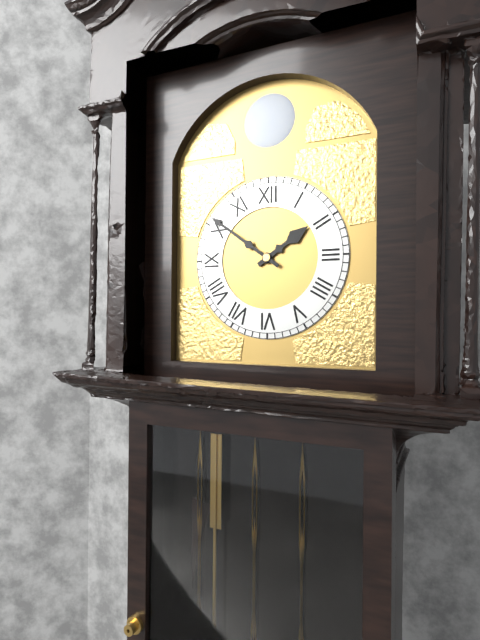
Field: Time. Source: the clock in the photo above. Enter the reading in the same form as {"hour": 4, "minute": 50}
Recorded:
{"hour": 1, "minute": 51}
